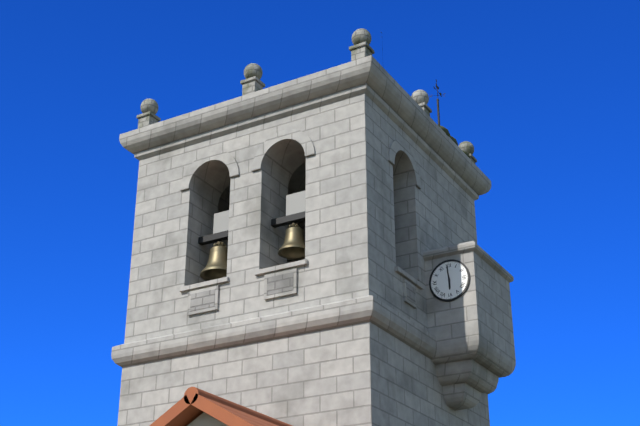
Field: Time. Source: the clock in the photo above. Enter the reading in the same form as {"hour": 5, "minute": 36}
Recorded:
{"hour": 5, "minute": 59}
